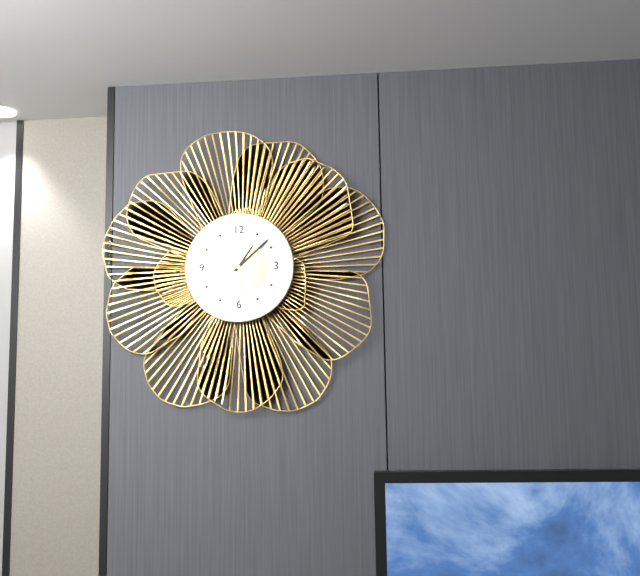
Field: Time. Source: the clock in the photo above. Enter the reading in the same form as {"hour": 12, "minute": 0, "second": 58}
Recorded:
{"hour": 1, "minute": 8, "second": 29}
